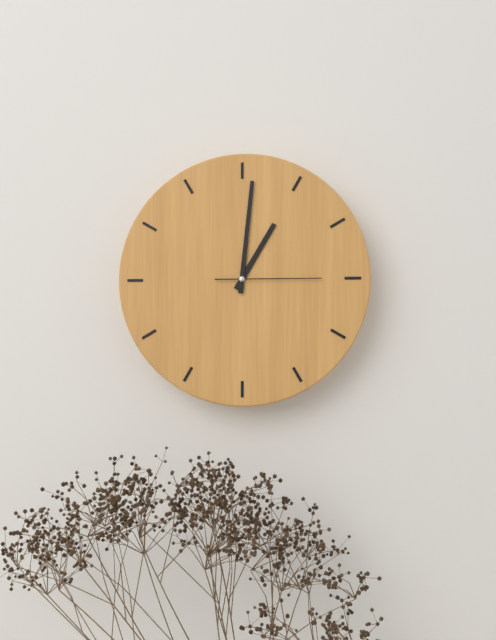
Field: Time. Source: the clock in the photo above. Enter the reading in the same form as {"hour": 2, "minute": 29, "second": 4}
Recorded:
{"hour": 1, "minute": 1, "second": 15}
